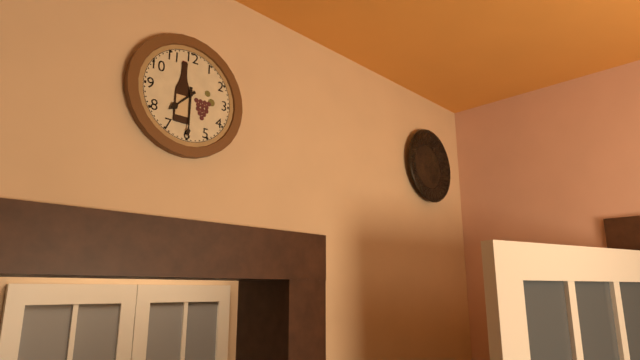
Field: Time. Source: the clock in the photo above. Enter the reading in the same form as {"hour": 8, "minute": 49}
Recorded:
{"hour": 7, "minute": 30}
